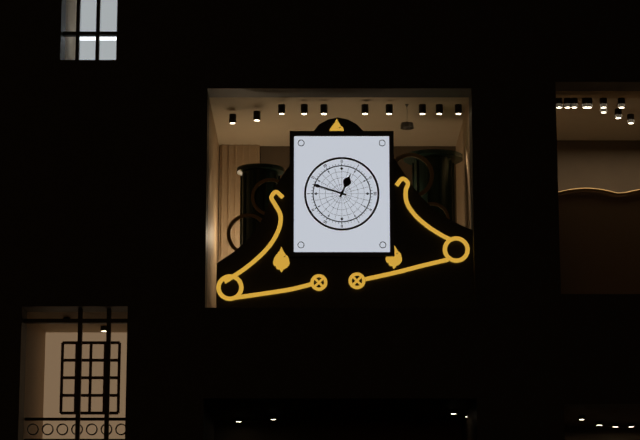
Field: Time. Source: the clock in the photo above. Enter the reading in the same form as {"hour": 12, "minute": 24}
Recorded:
{"hour": 12, "minute": 48}
